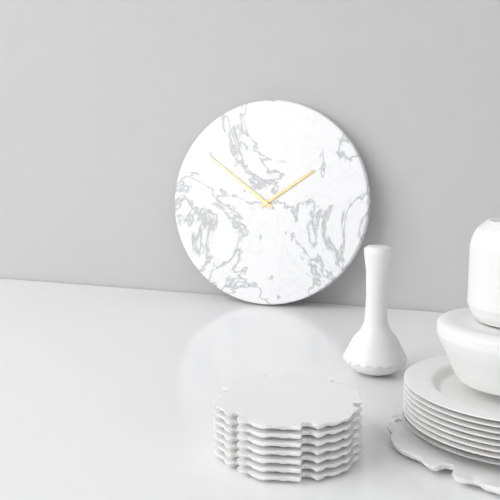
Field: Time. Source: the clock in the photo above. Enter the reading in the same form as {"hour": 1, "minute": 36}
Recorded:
{"hour": 1, "minute": 51}
